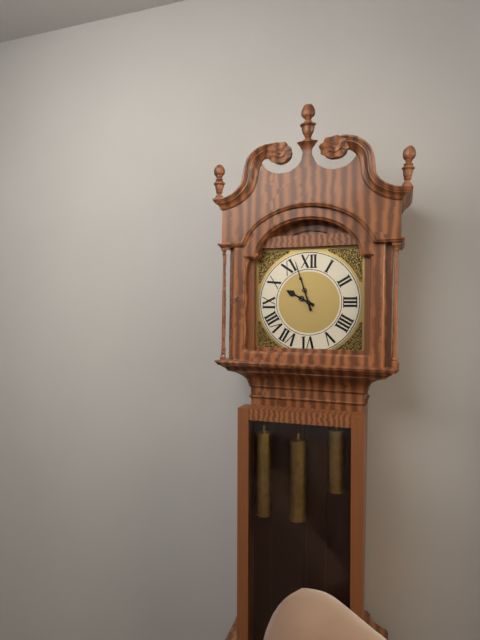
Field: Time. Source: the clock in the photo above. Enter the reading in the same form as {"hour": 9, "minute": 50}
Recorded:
{"hour": 9, "minute": 57}
